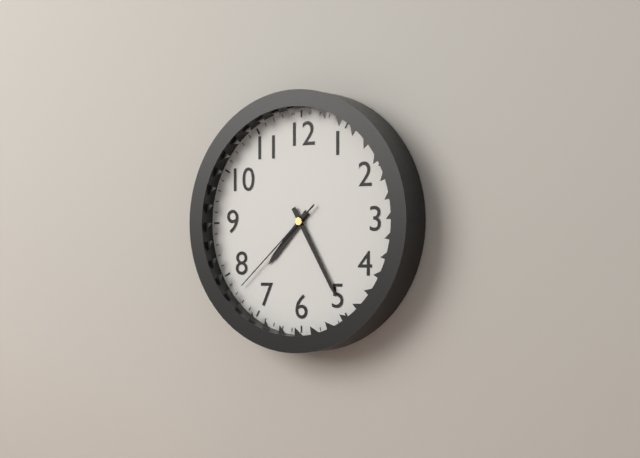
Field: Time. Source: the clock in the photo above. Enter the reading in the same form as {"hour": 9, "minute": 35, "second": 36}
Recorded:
{"hour": 7, "minute": 25, "second": 38}
